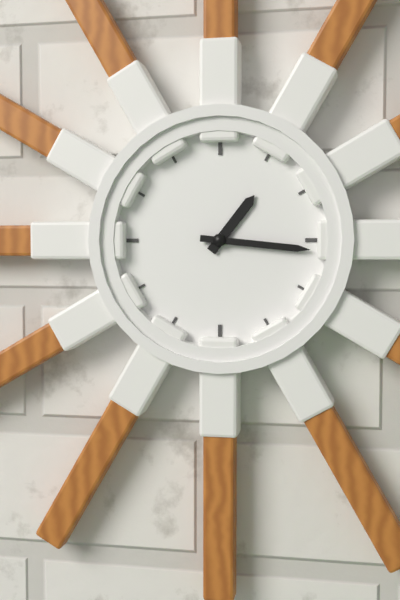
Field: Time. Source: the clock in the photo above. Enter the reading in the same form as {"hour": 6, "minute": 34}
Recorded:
{"hour": 1, "minute": 16}
